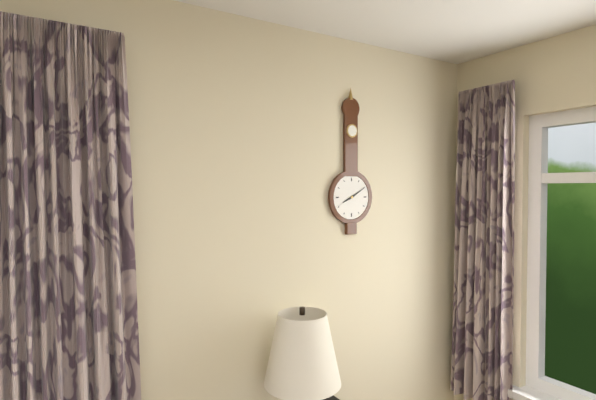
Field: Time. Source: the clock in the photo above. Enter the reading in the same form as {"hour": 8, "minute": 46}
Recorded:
{"hour": 8, "minute": 10}
